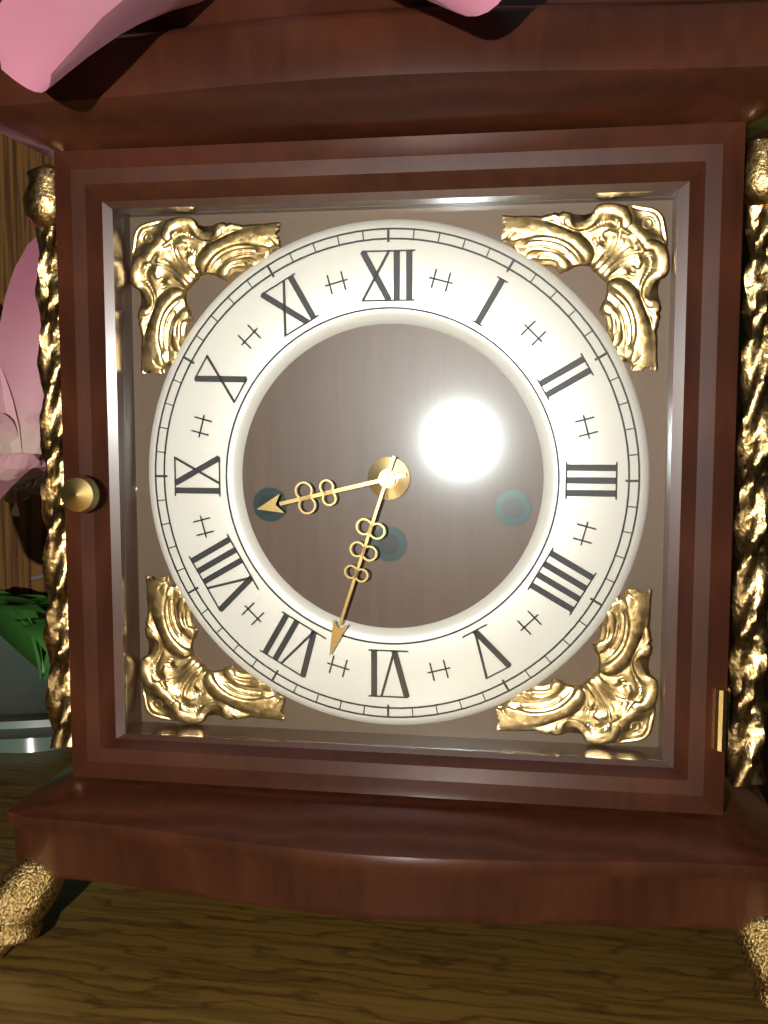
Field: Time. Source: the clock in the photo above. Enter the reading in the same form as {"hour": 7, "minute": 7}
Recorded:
{"hour": 8, "minute": 33}
